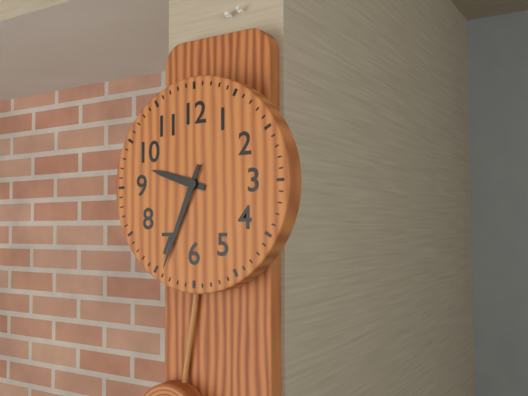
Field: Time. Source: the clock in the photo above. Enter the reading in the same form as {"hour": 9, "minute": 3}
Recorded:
{"hour": 9, "minute": 34}
